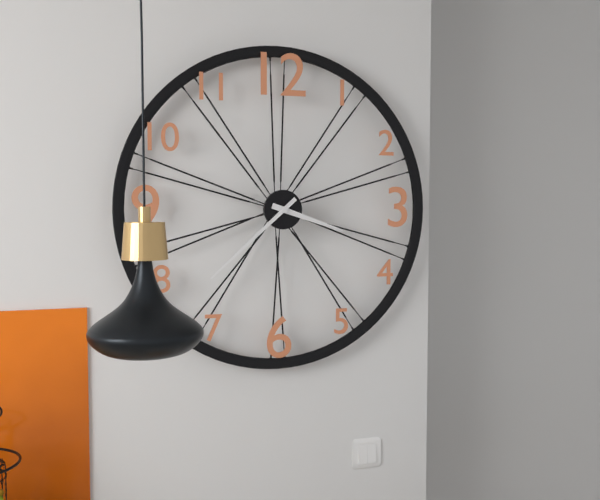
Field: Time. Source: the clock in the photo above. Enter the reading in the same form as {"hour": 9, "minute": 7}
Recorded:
{"hour": 3, "minute": 38}
